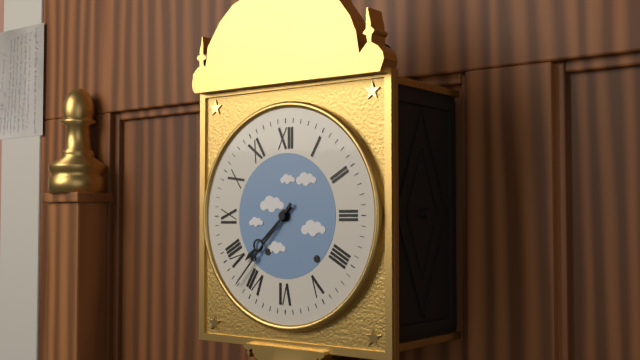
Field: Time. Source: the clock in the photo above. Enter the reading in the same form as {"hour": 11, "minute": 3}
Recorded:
{"hour": 7, "minute": 37}
